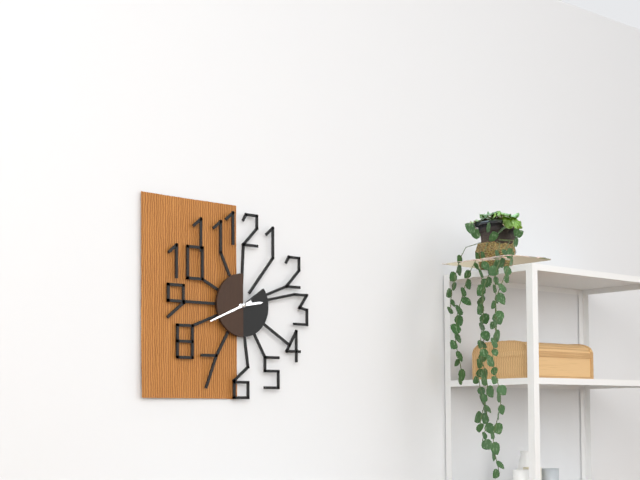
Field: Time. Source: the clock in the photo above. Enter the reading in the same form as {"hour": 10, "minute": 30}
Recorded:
{"hour": 2, "minute": 41}
